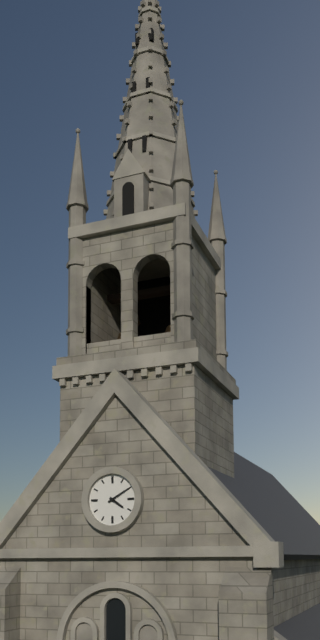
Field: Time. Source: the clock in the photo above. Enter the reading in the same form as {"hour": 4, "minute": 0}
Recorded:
{"hour": 4, "minute": 10}
